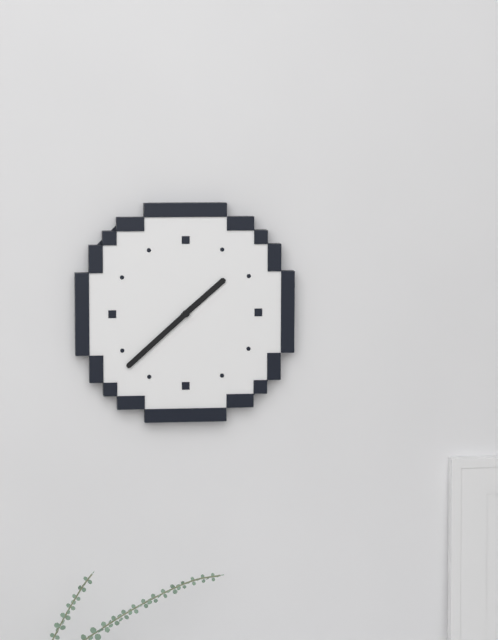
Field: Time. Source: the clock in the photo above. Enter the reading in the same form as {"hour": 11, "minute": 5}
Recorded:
{"hour": 1, "minute": 38}
